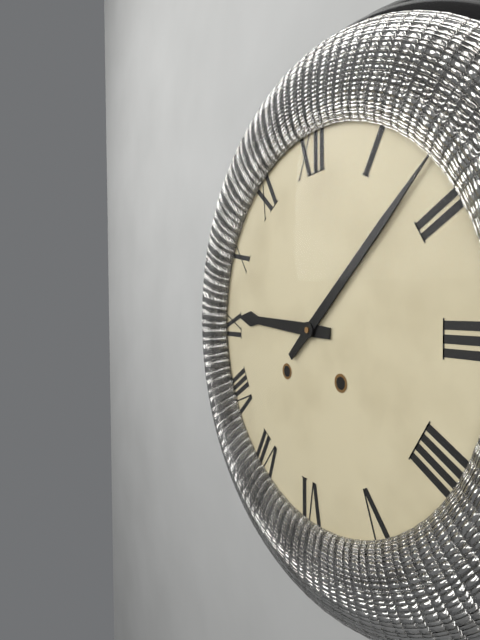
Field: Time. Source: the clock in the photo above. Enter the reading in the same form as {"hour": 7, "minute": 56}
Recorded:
{"hour": 9, "minute": 8}
